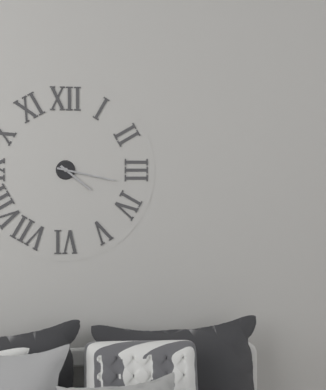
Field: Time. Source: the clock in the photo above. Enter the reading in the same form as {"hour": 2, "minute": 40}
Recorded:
{"hour": 4, "minute": 17}
